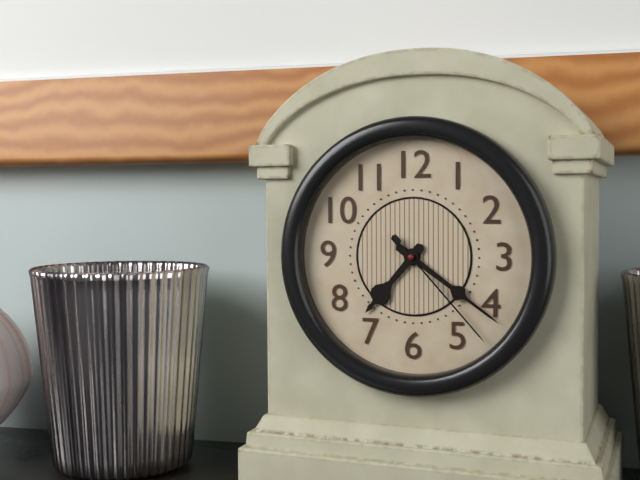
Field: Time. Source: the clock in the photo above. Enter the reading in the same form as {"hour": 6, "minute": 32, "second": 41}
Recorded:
{"hour": 7, "minute": 21, "second": 23}
